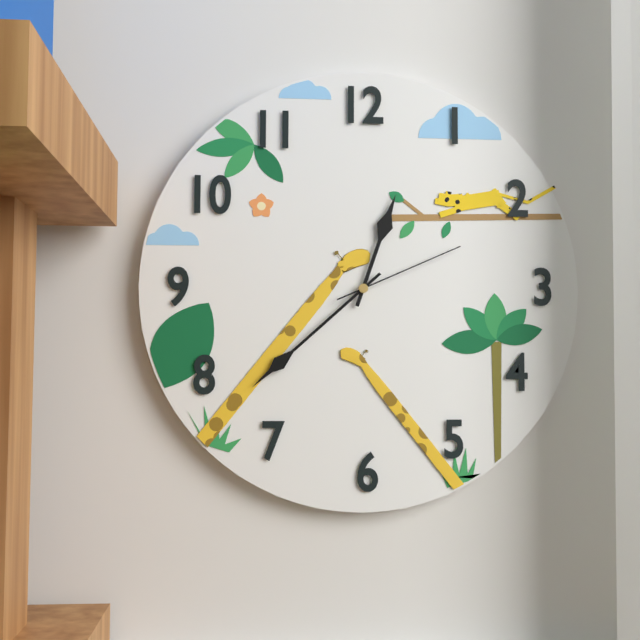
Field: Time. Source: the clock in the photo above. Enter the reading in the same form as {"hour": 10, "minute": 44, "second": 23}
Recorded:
{"hour": 12, "minute": 38, "second": 11}
